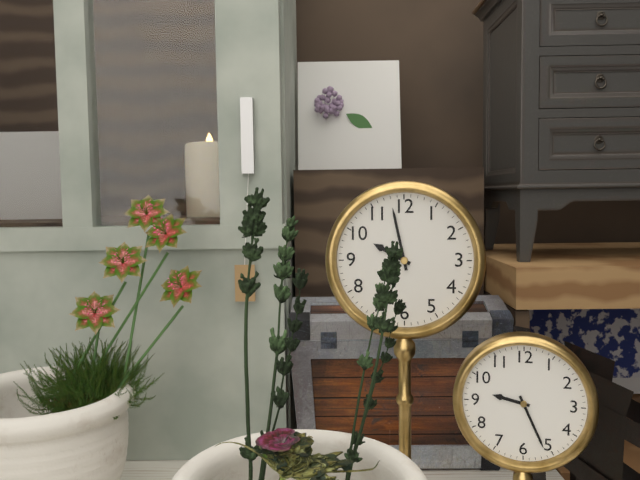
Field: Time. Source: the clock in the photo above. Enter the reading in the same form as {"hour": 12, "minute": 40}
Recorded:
{"hour": 9, "minute": 58}
